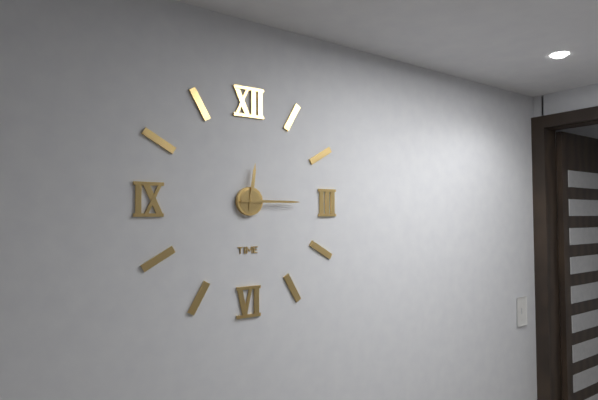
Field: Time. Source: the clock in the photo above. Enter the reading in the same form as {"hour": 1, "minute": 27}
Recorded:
{"hour": 12, "minute": 15}
